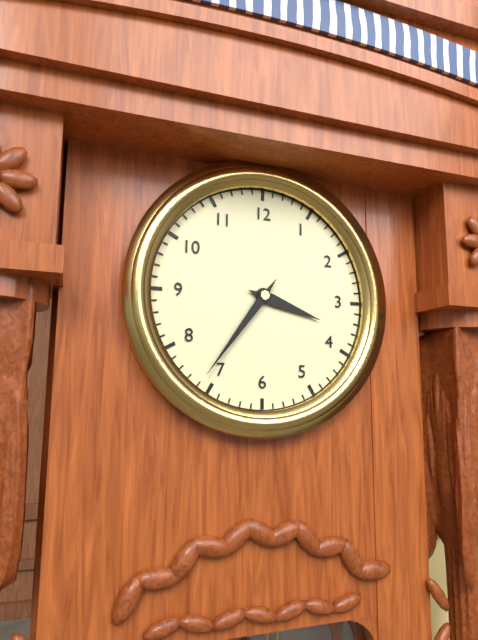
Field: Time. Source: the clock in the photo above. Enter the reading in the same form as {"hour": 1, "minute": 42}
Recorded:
{"hour": 3, "minute": 36}
